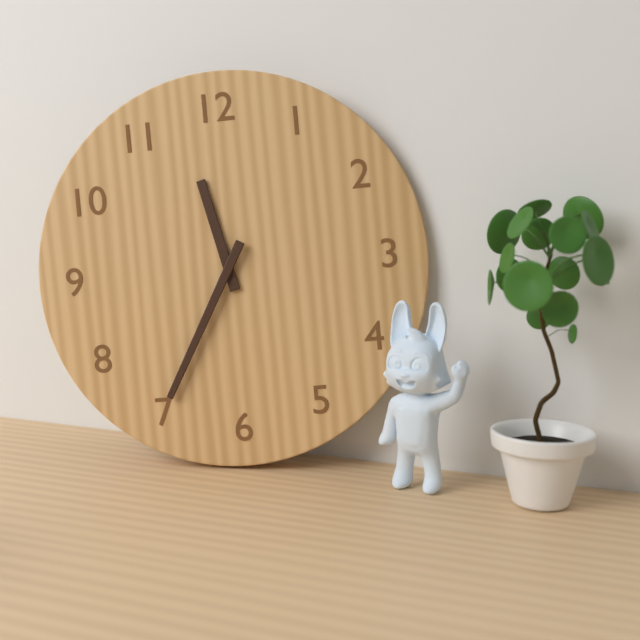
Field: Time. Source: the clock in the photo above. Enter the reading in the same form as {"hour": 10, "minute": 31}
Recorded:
{"hour": 11, "minute": 35}
